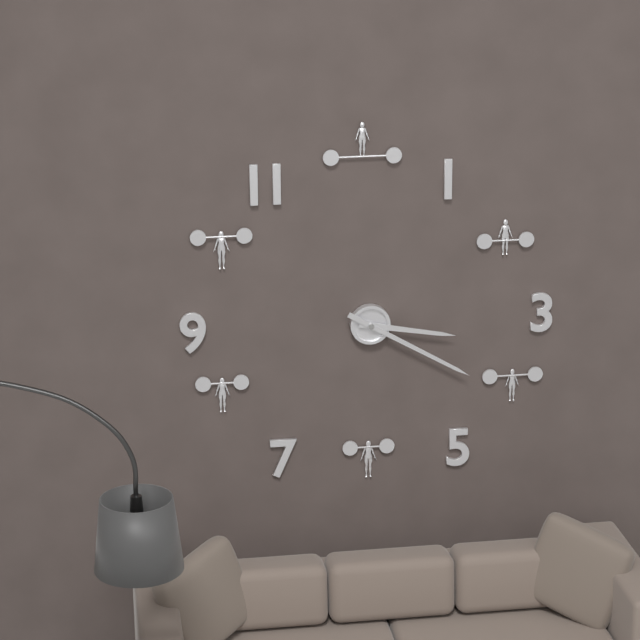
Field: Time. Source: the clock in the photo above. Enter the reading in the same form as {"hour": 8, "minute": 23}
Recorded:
{"hour": 3, "minute": 20}
